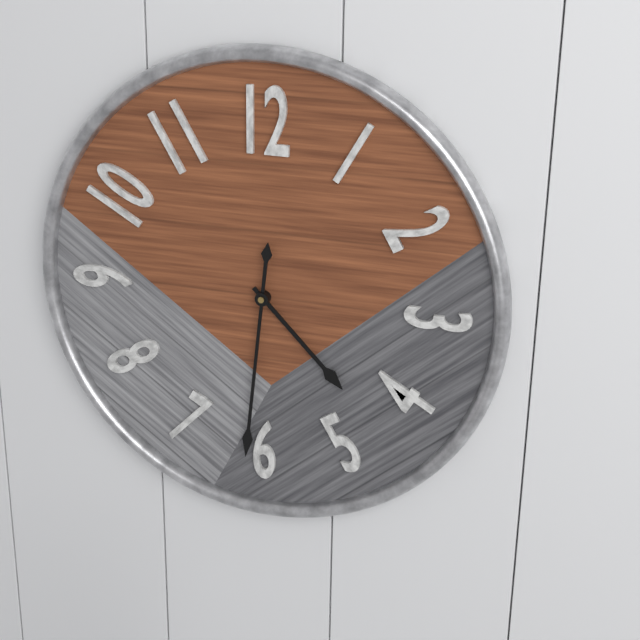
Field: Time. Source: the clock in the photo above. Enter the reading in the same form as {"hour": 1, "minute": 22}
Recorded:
{"hour": 4, "minute": 31}
